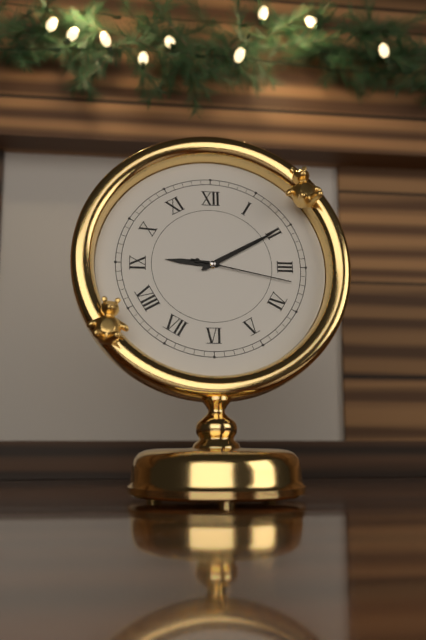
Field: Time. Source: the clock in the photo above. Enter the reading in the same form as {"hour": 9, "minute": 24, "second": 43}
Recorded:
{"hour": 9, "minute": 10, "second": 17}
